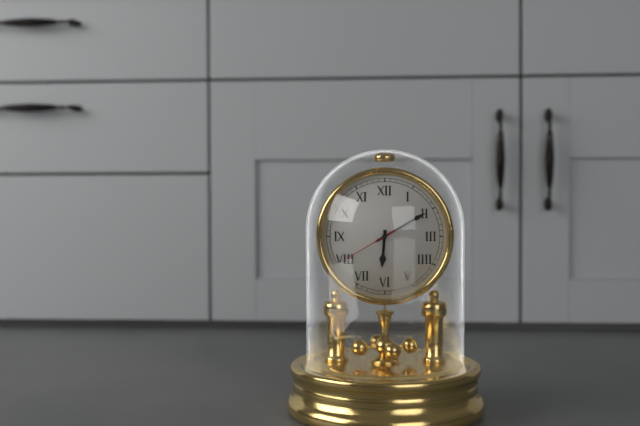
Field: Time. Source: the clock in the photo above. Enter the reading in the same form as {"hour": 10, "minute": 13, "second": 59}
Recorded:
{"hour": 6, "minute": 10, "second": 40}
